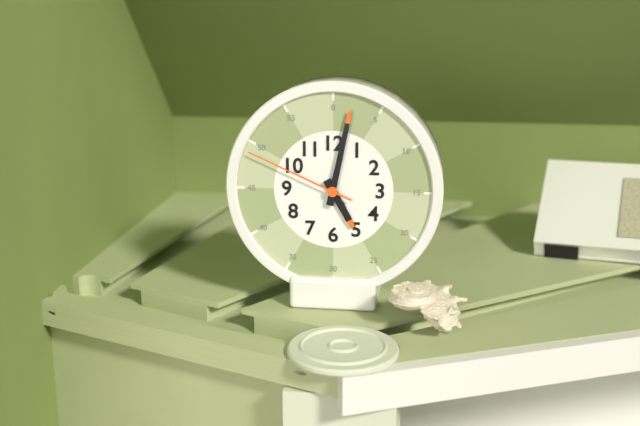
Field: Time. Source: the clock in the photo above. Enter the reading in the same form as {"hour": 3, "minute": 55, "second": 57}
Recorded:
{"hour": 5, "minute": 2, "second": 49}
